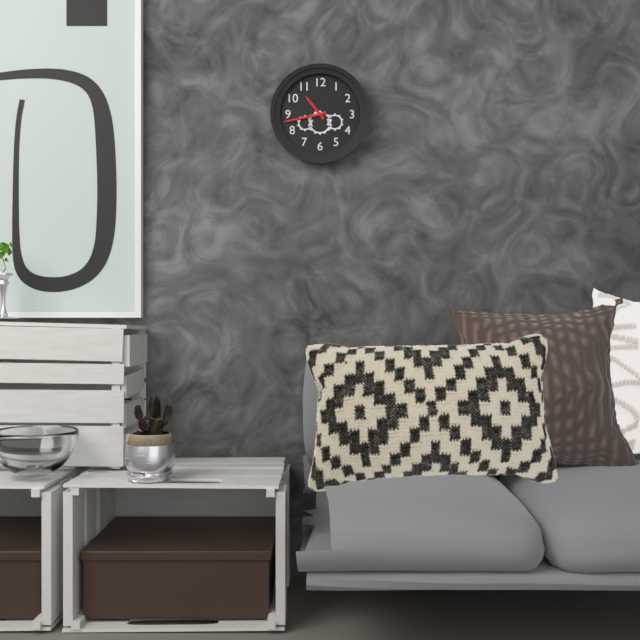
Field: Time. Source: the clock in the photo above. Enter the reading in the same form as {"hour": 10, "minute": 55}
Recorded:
{"hour": 10, "minute": 43}
